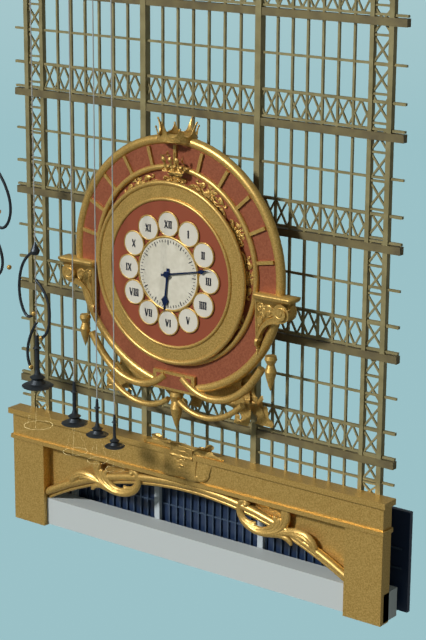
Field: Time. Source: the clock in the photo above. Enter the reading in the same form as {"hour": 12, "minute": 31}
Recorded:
{"hour": 6, "minute": 13}
